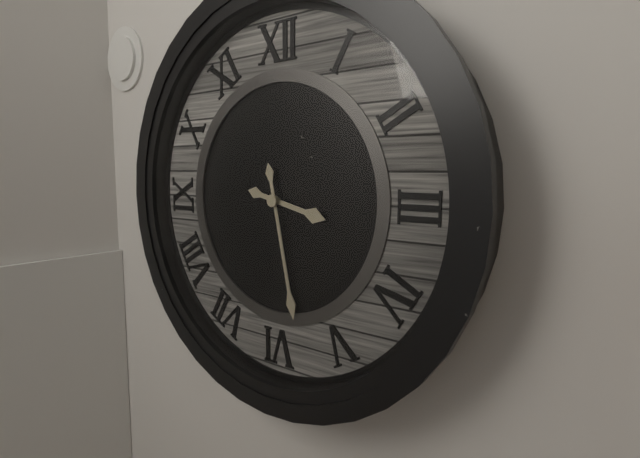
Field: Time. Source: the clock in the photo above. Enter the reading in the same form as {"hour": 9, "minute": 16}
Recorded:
{"hour": 3, "minute": 28}
